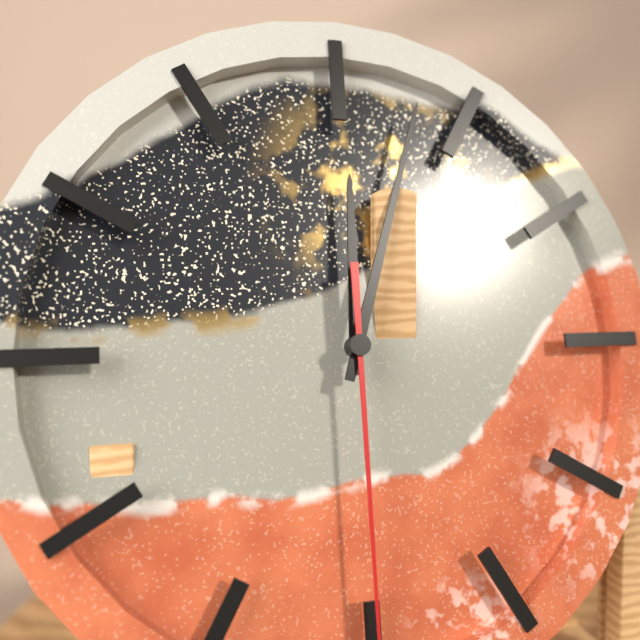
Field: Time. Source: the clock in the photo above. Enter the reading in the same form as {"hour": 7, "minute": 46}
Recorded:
{"hour": 12, "minute": 3}
